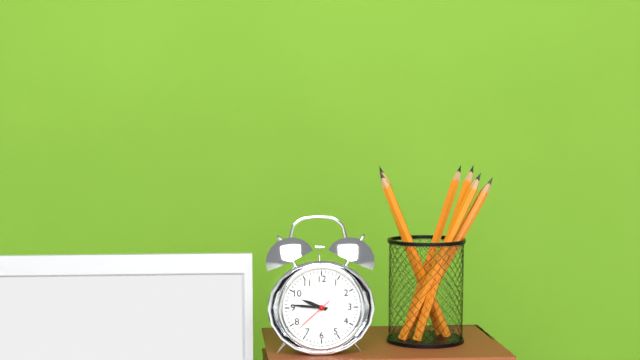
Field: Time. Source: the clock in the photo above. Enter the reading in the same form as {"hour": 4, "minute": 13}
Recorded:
{"hour": 9, "minute": 46}
